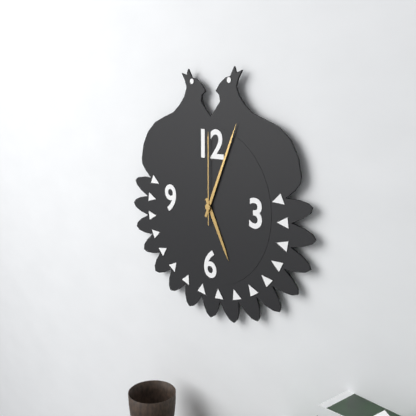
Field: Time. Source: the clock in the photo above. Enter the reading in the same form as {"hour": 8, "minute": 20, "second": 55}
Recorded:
{"hour": 5, "minute": 4, "second": 0}
